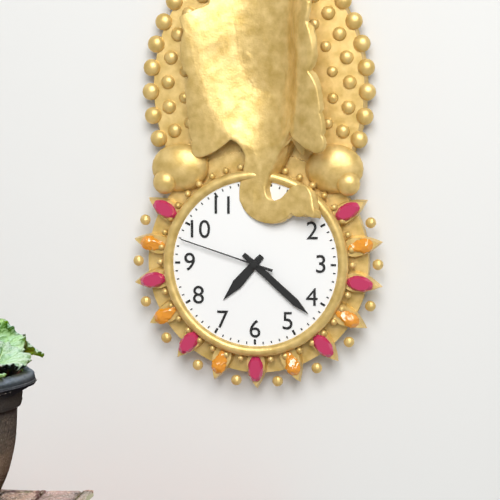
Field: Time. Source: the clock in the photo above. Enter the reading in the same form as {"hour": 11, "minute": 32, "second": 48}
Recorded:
{"hour": 7, "minute": 22, "second": 48}
